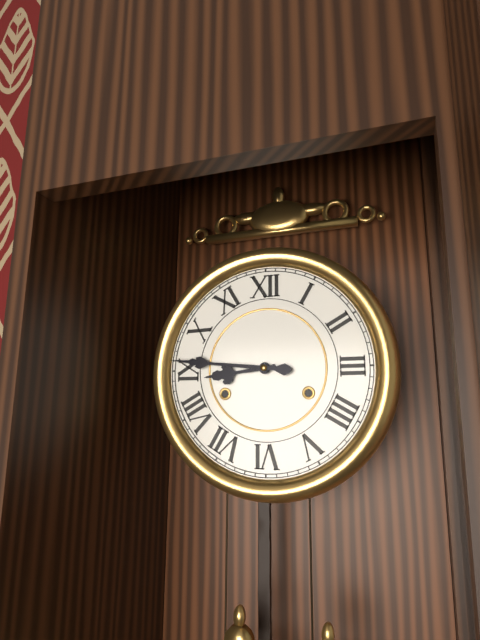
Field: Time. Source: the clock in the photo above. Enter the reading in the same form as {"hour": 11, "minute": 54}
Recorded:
{"hour": 8, "minute": 46}
